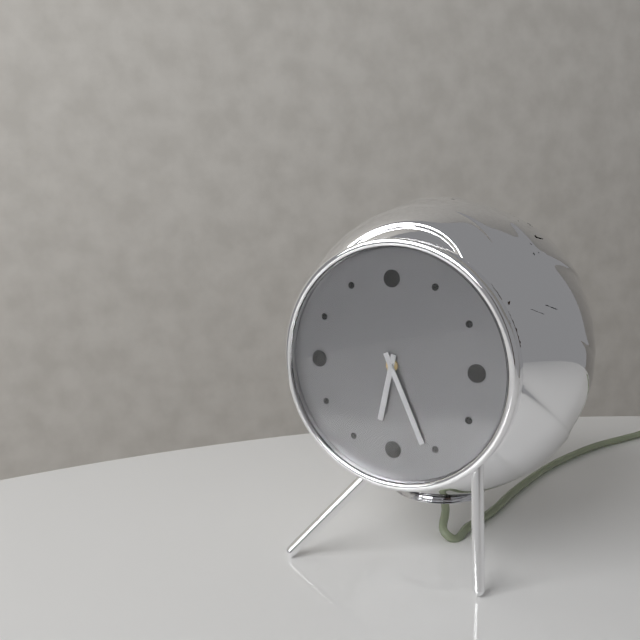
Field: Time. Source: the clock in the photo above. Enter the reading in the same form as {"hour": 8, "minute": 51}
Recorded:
{"hour": 6, "minute": 26}
